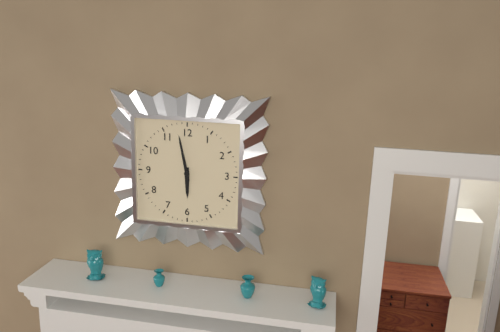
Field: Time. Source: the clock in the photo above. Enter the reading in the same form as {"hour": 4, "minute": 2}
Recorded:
{"hour": 5, "minute": 58}
